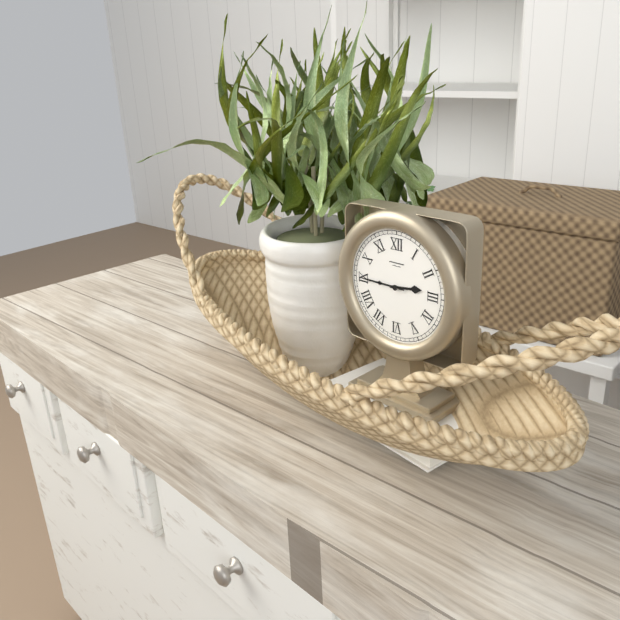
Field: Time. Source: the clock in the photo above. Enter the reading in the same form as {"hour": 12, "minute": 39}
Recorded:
{"hour": 2, "minute": 45}
